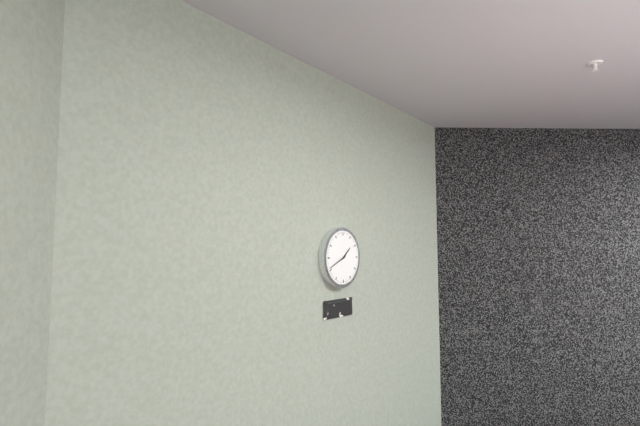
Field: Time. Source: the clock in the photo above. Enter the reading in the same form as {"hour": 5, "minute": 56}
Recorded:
{"hour": 1, "minute": 41}
